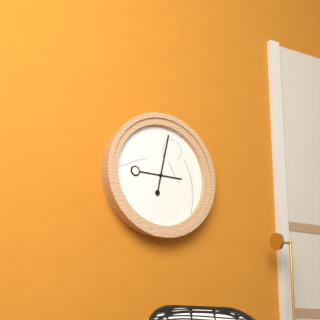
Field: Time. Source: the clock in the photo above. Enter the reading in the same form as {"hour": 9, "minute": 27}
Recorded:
{"hour": 3, "minute": 2}
